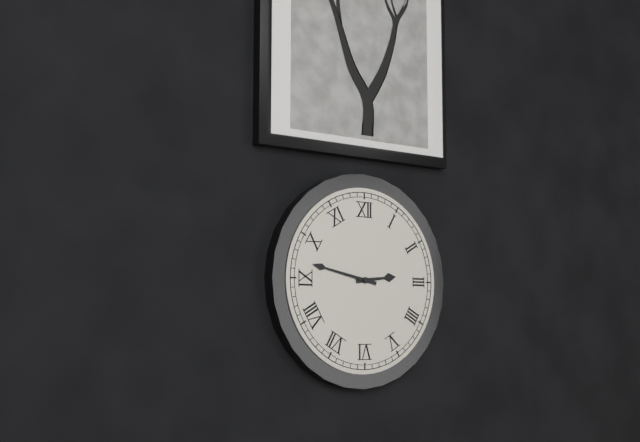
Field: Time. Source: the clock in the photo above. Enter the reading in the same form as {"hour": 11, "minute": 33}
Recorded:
{"hour": 2, "minute": 47}
